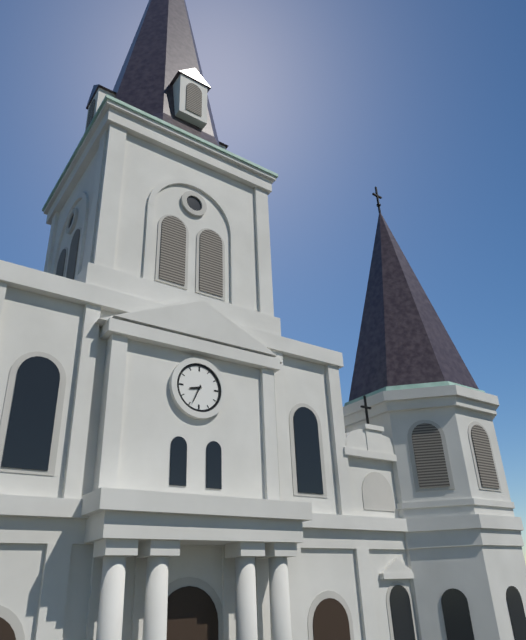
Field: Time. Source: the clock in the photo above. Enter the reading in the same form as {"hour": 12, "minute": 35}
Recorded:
{"hour": 8, "minute": 34}
